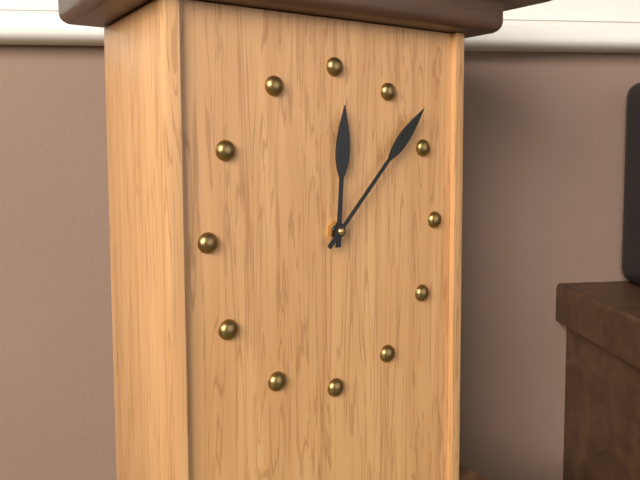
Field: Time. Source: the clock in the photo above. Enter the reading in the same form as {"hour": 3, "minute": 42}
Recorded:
{"hour": 12, "minute": 7}
